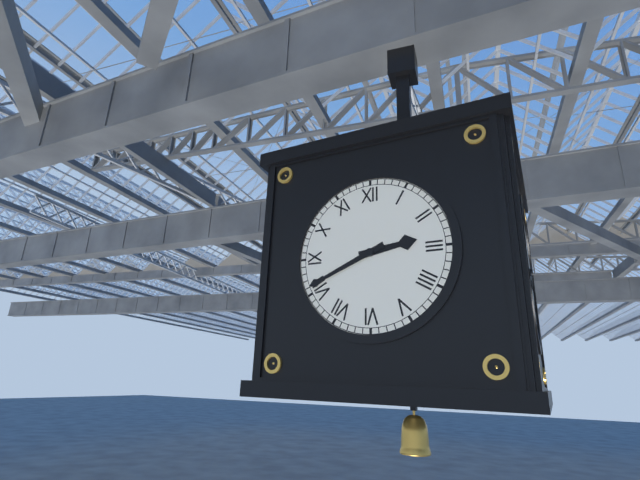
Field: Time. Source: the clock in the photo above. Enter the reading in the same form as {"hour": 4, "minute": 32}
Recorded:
{"hour": 2, "minute": 41}
